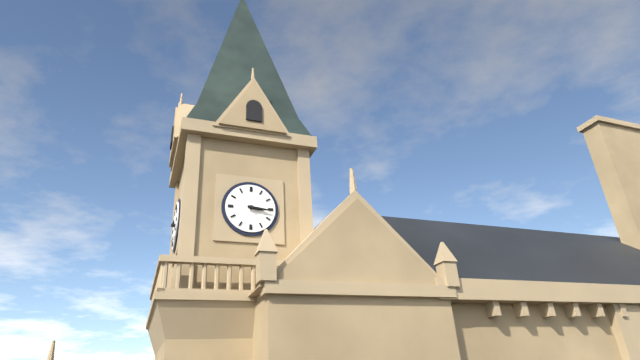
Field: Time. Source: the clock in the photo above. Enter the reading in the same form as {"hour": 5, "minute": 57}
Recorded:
{"hour": 3, "minute": 16}
